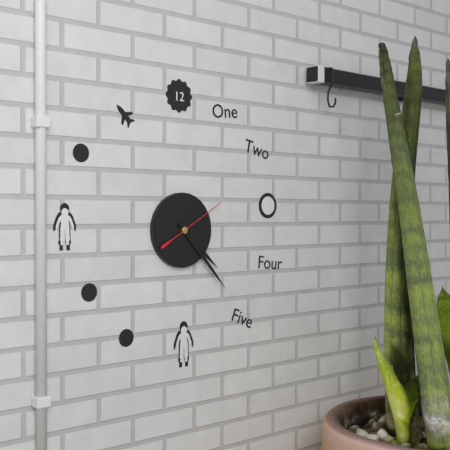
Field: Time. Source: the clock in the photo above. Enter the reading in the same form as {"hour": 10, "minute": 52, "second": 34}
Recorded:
{"hour": 4, "minute": 23, "second": 10}
